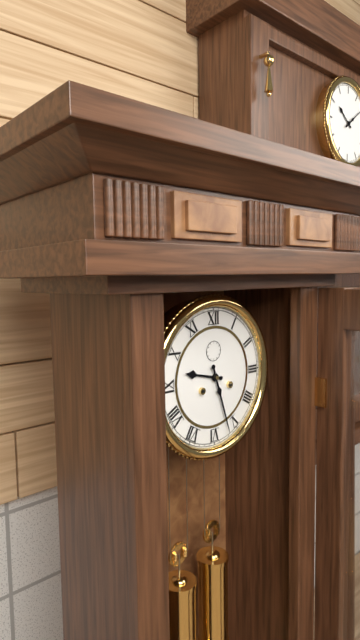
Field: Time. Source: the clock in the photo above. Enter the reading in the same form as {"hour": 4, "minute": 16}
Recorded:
{"hour": 9, "minute": 27}
